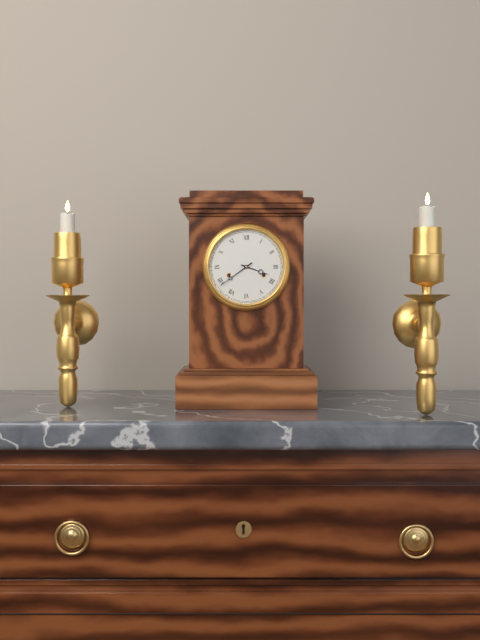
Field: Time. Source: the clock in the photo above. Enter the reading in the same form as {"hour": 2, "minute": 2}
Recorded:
{"hour": 3, "minute": 39}
